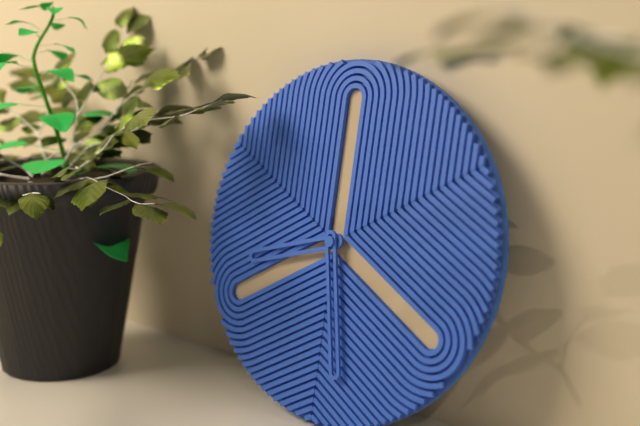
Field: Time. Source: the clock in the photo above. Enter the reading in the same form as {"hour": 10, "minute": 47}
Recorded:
{"hour": 8, "minute": 28}
